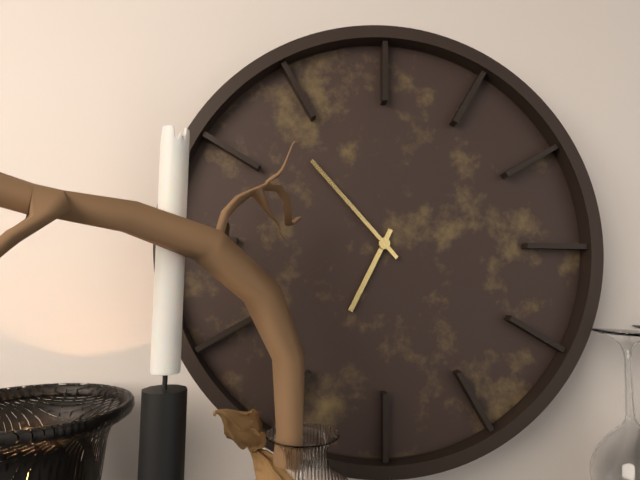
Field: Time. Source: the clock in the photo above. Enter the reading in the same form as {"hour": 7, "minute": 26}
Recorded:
{"hour": 6, "minute": 53}
